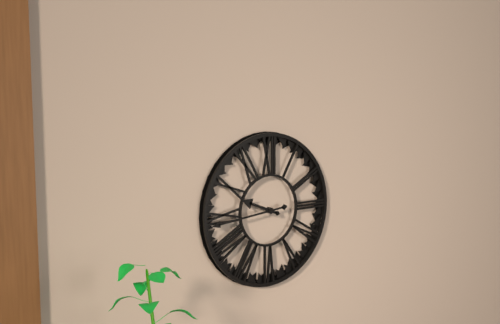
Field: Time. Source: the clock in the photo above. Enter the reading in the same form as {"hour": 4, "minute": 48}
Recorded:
{"hour": 9, "minute": 44}
